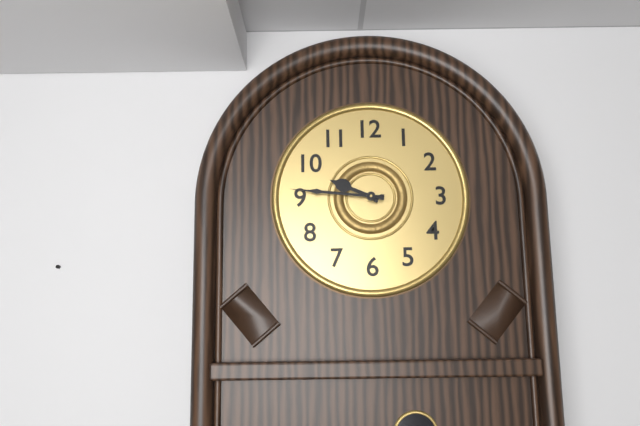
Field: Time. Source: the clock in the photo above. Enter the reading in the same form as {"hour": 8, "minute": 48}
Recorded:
{"hour": 9, "minute": 46}
